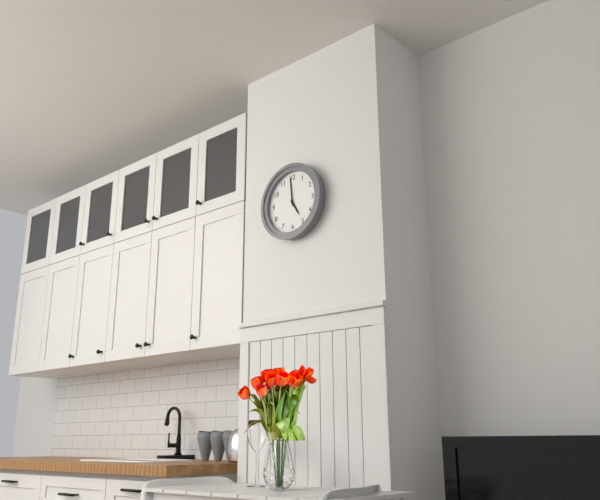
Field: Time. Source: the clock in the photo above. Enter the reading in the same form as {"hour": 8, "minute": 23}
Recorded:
{"hour": 4, "minute": 59}
